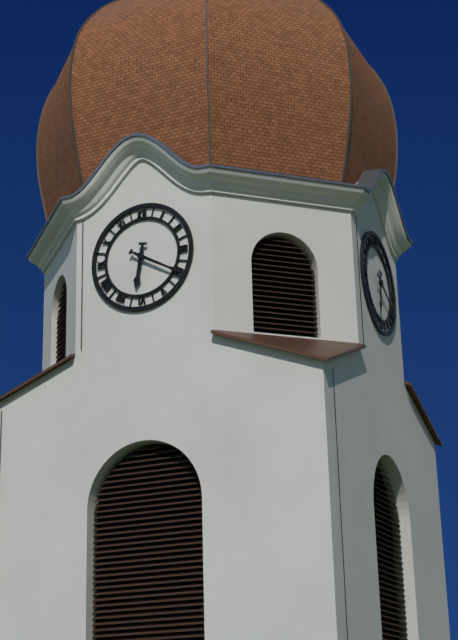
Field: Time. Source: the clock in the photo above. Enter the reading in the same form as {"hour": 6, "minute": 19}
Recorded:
{"hour": 6, "minute": 20}
